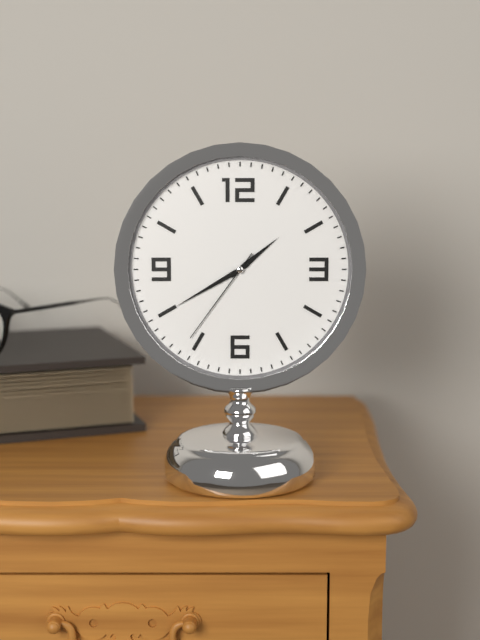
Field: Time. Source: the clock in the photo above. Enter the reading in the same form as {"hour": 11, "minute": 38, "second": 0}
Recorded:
{"hour": 1, "minute": 40, "second": 36}
